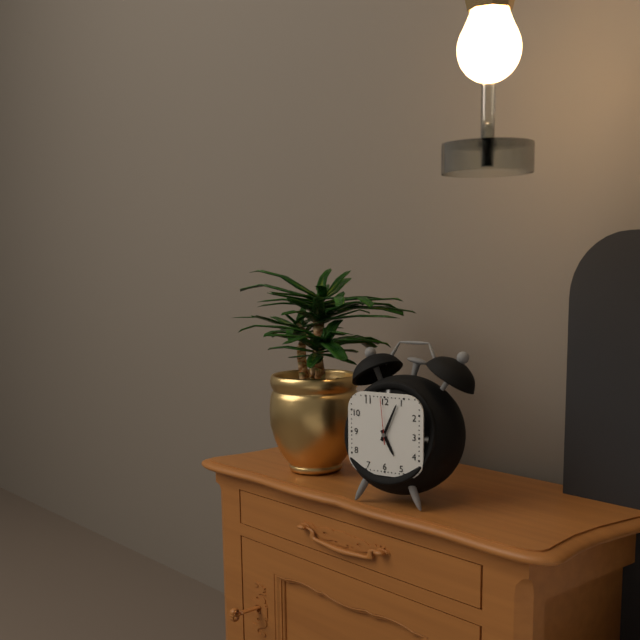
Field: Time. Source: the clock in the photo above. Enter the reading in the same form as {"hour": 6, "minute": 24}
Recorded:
{"hour": 5, "minute": 4}
